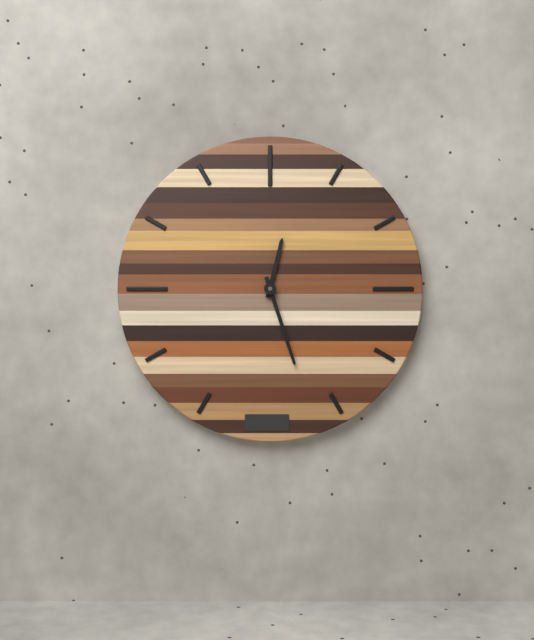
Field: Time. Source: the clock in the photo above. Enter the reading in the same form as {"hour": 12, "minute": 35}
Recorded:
{"hour": 12, "minute": 27}
